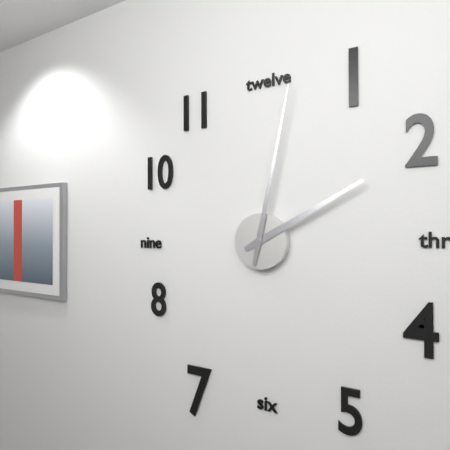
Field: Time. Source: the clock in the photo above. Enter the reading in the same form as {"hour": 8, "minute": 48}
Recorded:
{"hour": 2, "minute": 2}
